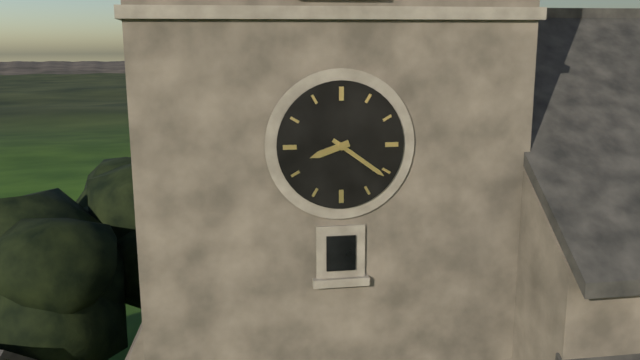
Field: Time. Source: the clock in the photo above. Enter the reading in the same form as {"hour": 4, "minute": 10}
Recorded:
{"hour": 8, "minute": 21}
